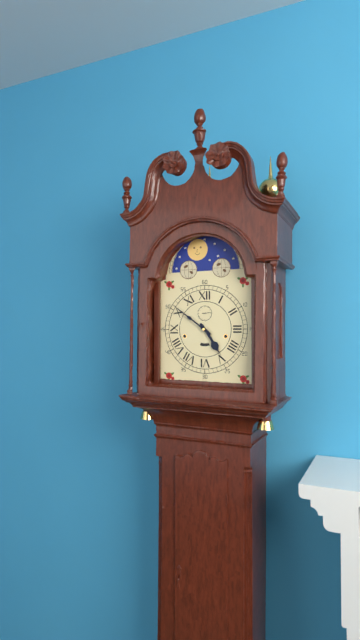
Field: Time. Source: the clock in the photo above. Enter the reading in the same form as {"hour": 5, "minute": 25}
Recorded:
{"hour": 4, "minute": 51}
